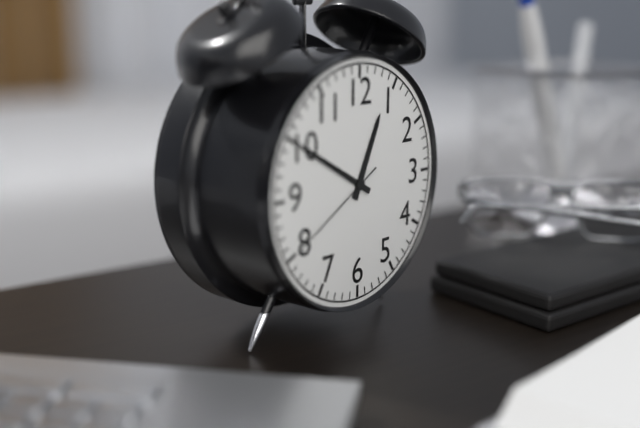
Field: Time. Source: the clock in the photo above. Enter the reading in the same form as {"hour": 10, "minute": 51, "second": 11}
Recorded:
{"hour": 12, "minute": 50, "second": 40}
